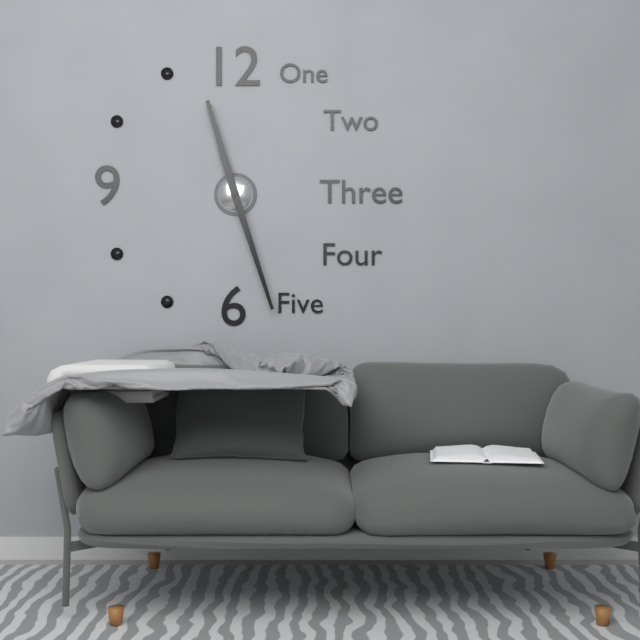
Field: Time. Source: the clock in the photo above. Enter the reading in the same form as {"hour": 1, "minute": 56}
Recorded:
{"hour": 11, "minute": 27}
